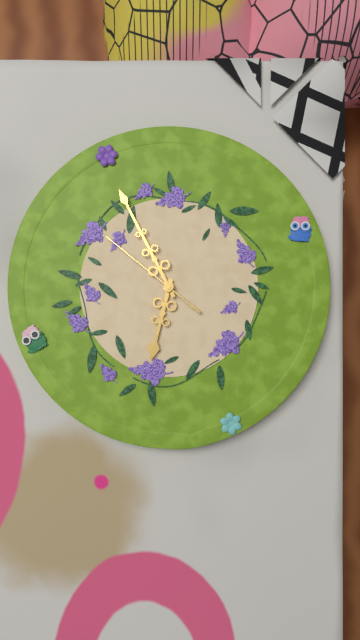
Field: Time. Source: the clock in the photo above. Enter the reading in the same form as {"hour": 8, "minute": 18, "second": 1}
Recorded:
{"hour": 6, "minute": 58, "second": 54}
